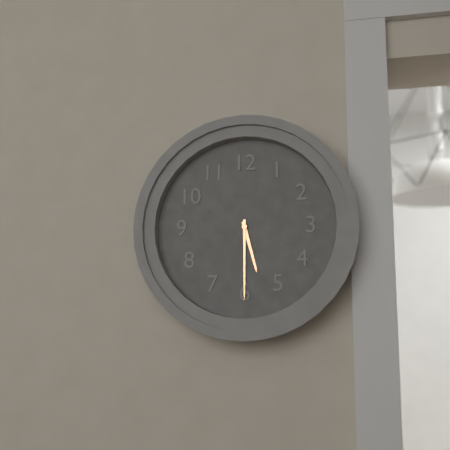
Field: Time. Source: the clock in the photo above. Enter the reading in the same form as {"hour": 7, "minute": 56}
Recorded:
{"hour": 5, "minute": 30}
